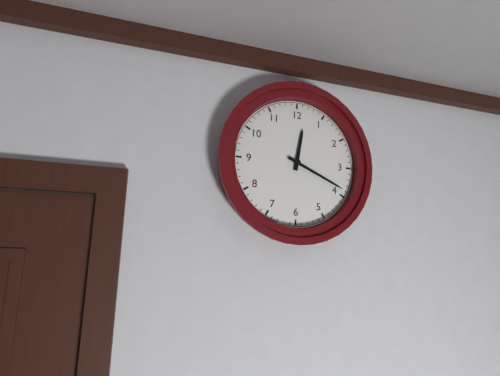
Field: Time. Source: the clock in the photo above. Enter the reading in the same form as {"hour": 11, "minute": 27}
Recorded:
{"hour": 12, "minute": 19}
